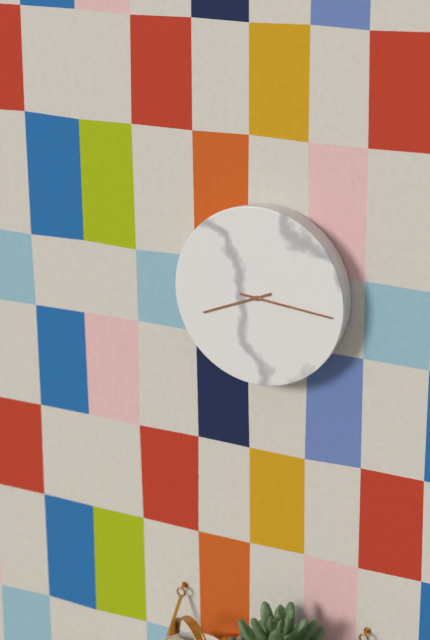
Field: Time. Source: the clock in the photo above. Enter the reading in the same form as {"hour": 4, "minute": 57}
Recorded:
{"hour": 8, "minute": 16}
